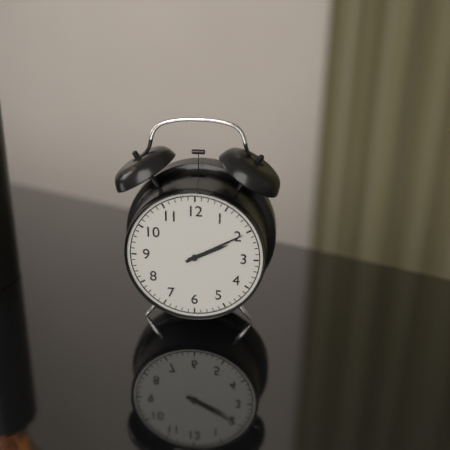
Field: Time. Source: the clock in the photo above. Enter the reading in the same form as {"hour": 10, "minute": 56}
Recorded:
{"hour": 2, "minute": 10}
